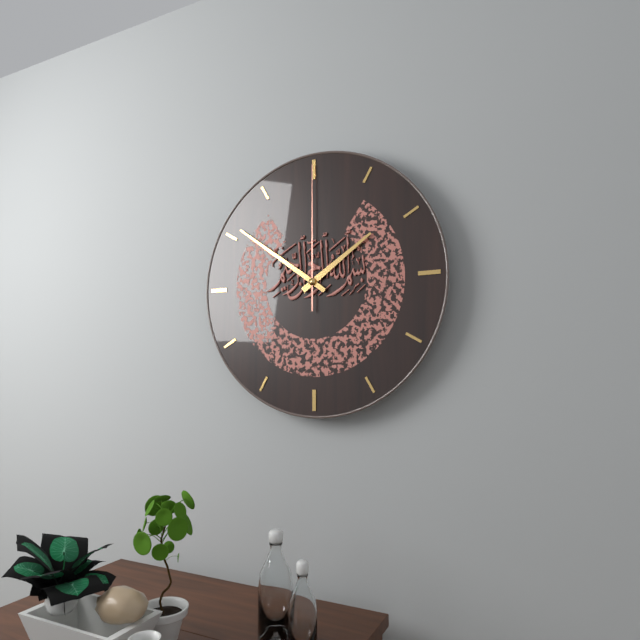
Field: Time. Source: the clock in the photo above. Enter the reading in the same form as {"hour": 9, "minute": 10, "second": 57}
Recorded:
{"hour": 1, "minute": 51, "second": 0}
